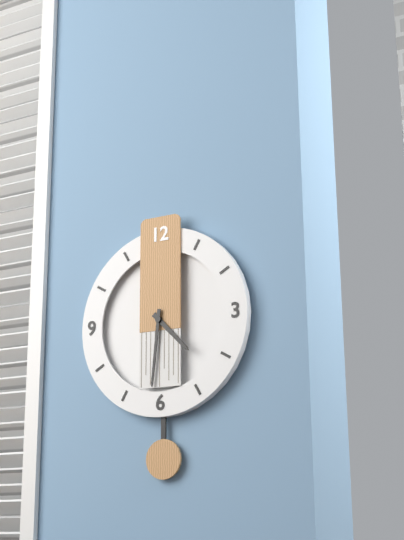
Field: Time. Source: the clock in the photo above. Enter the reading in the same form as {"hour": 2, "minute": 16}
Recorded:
{"hour": 4, "minute": 31}
